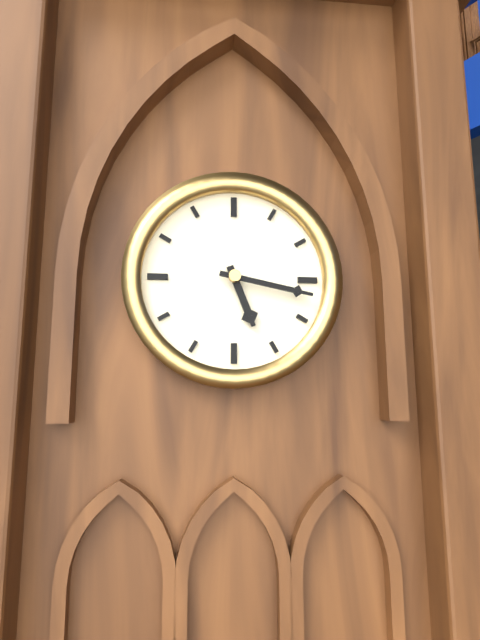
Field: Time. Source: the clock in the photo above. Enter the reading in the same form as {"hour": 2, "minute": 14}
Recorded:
{"hour": 5, "minute": 17}
